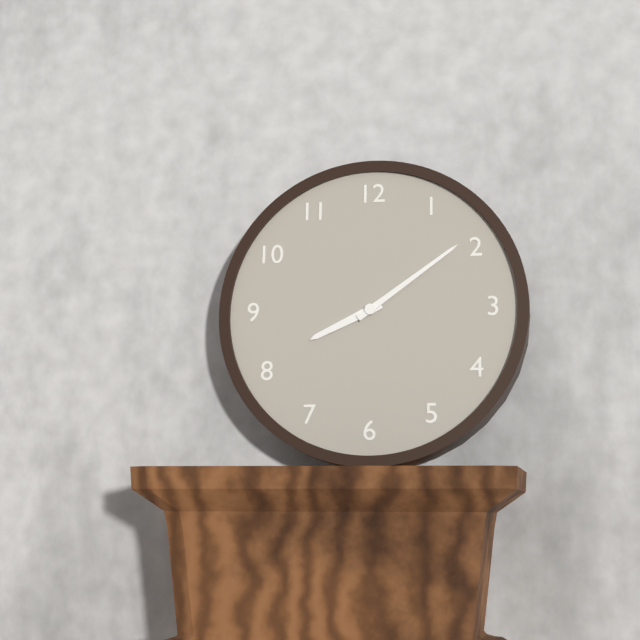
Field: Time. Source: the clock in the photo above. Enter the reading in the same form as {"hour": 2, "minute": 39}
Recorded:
{"hour": 8, "minute": 9}
